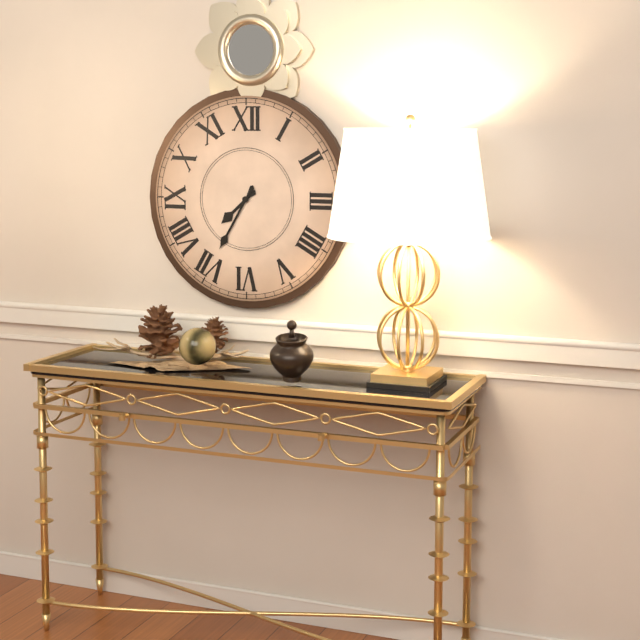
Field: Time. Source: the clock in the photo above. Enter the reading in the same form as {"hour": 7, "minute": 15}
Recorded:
{"hour": 7, "minute": 35}
